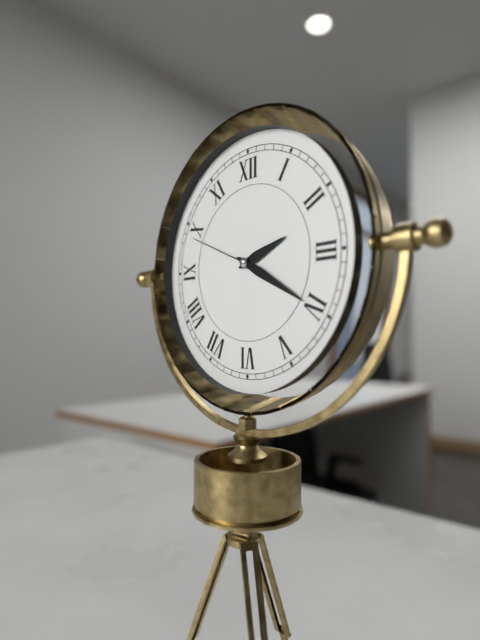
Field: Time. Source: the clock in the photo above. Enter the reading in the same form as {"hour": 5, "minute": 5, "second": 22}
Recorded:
{"hour": 2, "minute": 20, "second": 49}
